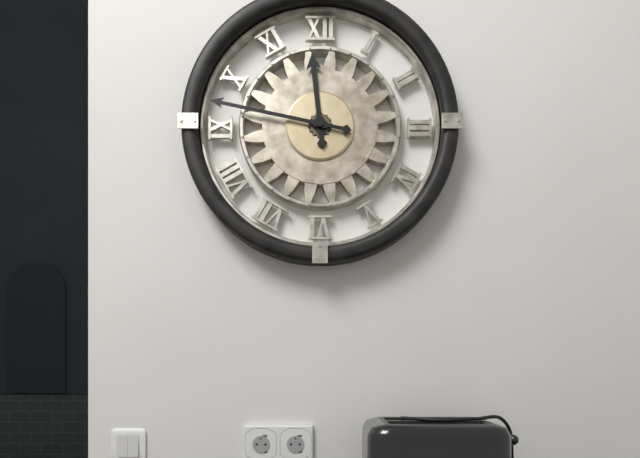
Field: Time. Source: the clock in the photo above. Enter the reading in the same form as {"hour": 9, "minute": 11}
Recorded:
{"hour": 11, "minute": 47}
